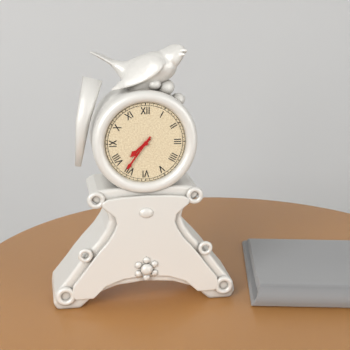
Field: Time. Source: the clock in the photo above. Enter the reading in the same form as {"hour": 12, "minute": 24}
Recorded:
{"hour": 7, "minute": 36}
